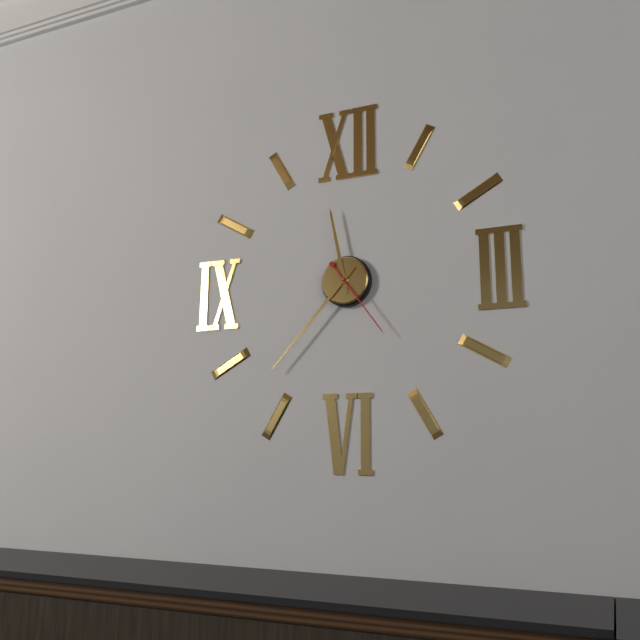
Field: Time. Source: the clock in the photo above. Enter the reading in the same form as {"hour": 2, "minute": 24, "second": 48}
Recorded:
{"hour": 11, "minute": 37, "second": 24}
